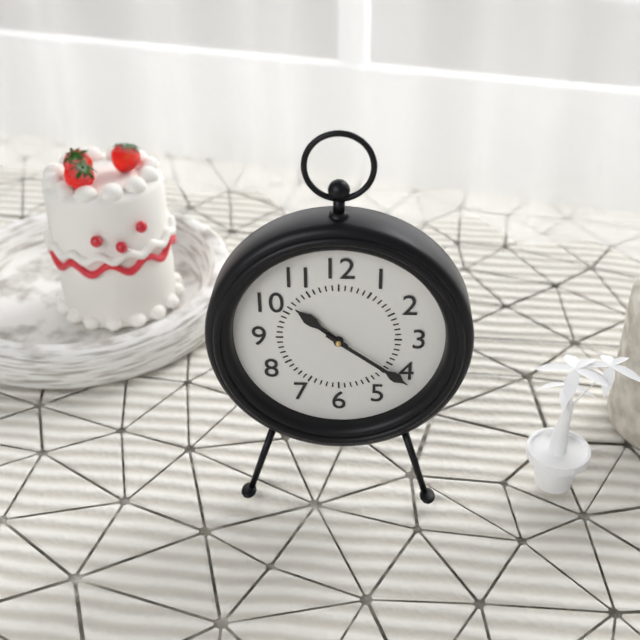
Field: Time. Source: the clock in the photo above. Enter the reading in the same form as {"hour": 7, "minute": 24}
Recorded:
{"hour": 10, "minute": 21}
